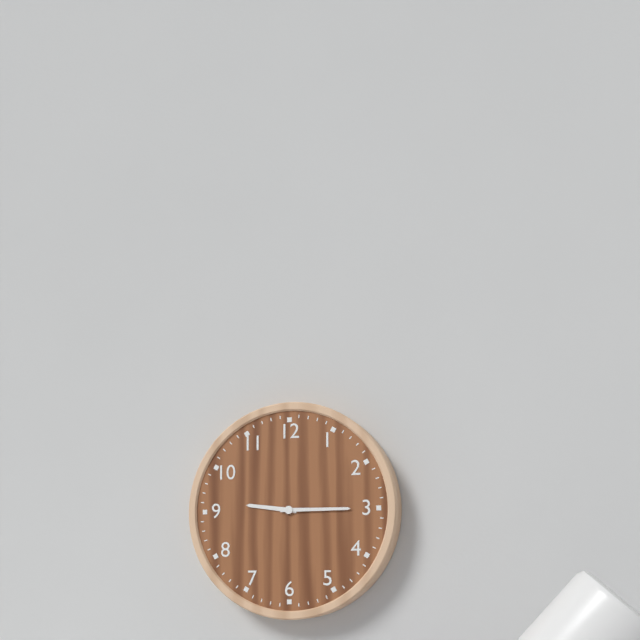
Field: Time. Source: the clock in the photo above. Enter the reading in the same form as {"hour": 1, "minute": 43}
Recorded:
{"hour": 9, "minute": 15}
